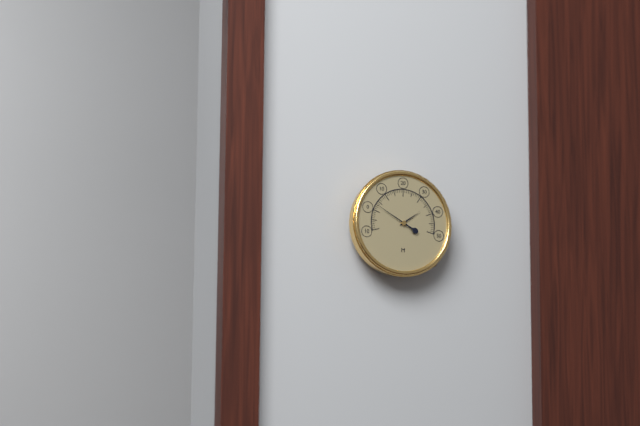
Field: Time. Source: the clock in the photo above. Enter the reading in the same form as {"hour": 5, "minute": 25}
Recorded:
{"hour": 1, "minute": 50}
